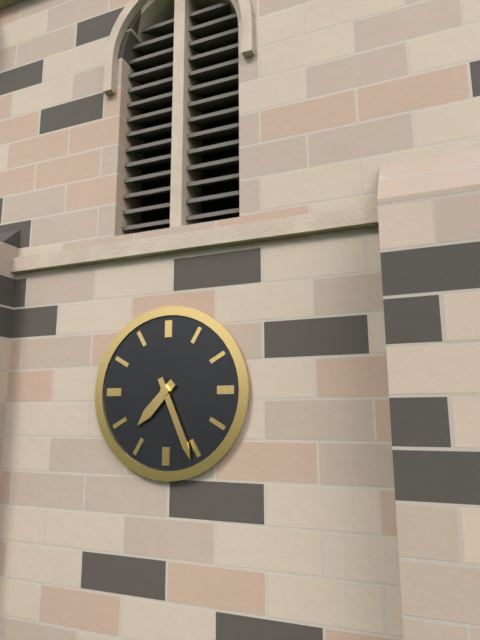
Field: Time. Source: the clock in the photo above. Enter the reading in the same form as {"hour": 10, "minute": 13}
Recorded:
{"hour": 7, "minute": 26}
